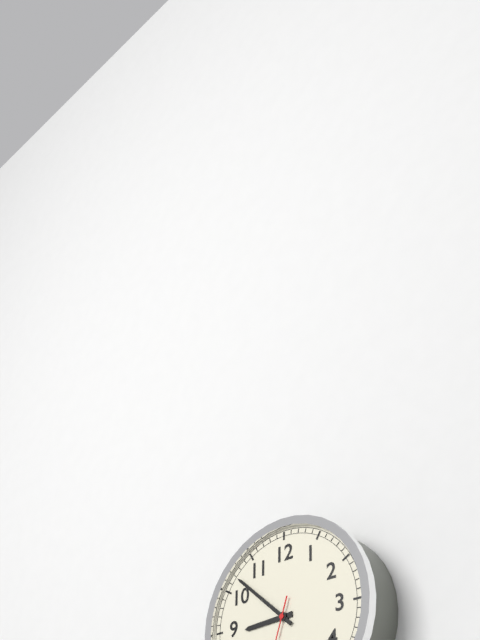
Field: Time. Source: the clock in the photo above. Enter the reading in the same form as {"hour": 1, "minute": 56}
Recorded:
{"hour": 8, "minute": 52}
